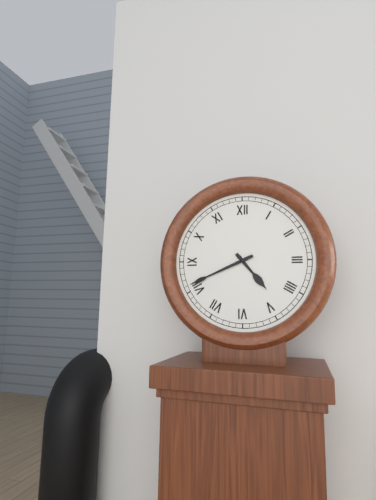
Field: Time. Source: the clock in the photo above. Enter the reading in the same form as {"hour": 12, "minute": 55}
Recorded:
{"hour": 4, "minute": 41}
